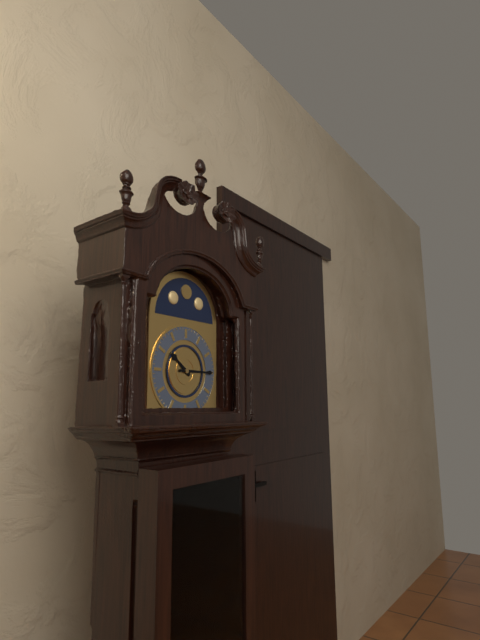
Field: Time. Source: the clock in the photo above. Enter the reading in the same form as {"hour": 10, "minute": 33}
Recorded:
{"hour": 10, "minute": 15}
